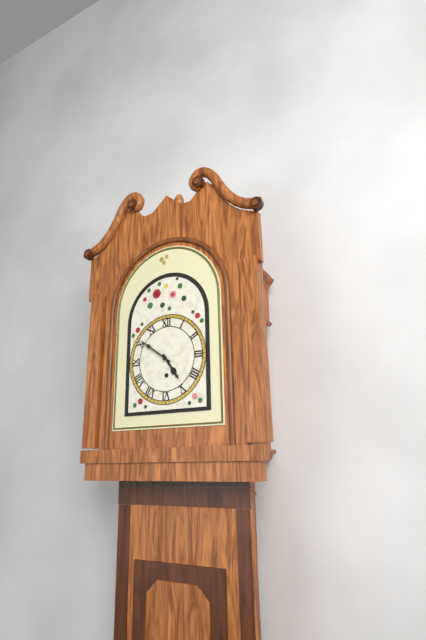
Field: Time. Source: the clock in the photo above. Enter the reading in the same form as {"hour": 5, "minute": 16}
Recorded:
{"hour": 4, "minute": 51}
